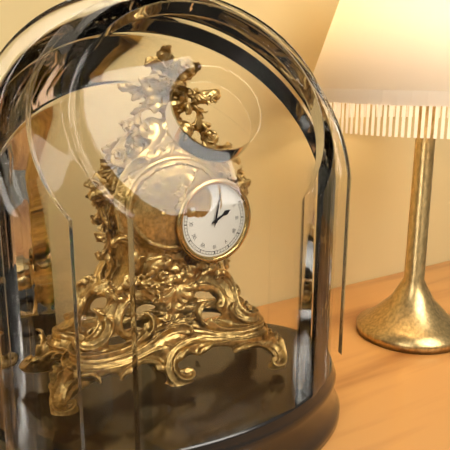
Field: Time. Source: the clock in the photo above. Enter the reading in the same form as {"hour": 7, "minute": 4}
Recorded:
{"hour": 2, "minute": 2}
